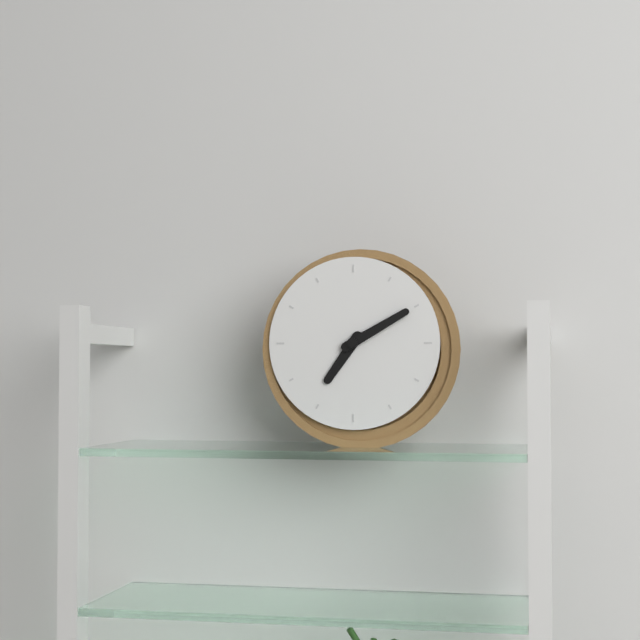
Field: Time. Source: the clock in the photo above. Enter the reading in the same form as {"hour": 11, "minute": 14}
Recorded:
{"hour": 7, "minute": 10}
